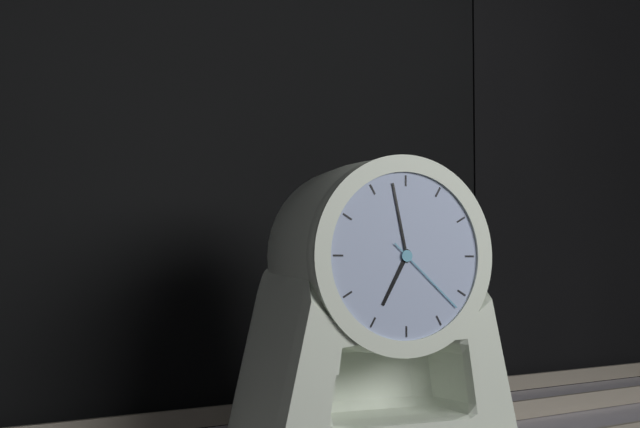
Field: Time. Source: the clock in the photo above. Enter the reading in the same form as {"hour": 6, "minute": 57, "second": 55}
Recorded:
{"hour": 6, "minute": 58, "second": 22}
